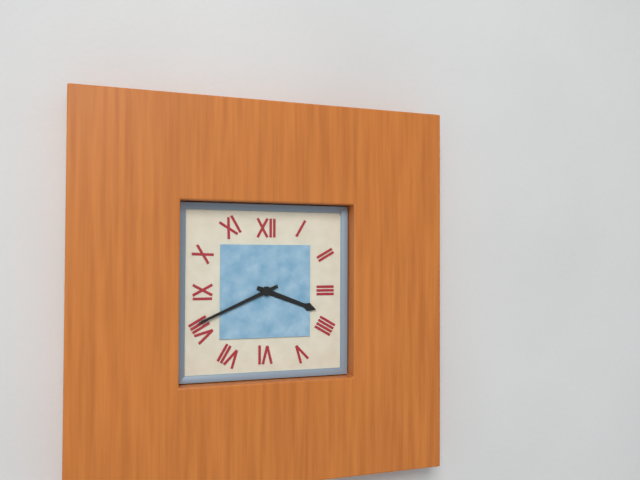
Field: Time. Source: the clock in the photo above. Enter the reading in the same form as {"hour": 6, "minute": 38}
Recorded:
{"hour": 3, "minute": 41}
